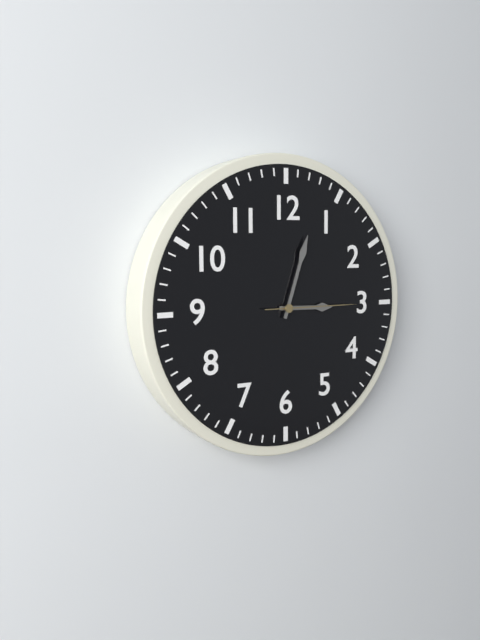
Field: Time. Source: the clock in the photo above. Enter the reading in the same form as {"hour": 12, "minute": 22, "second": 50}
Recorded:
{"hour": 3, "minute": 3, "second": 15}
